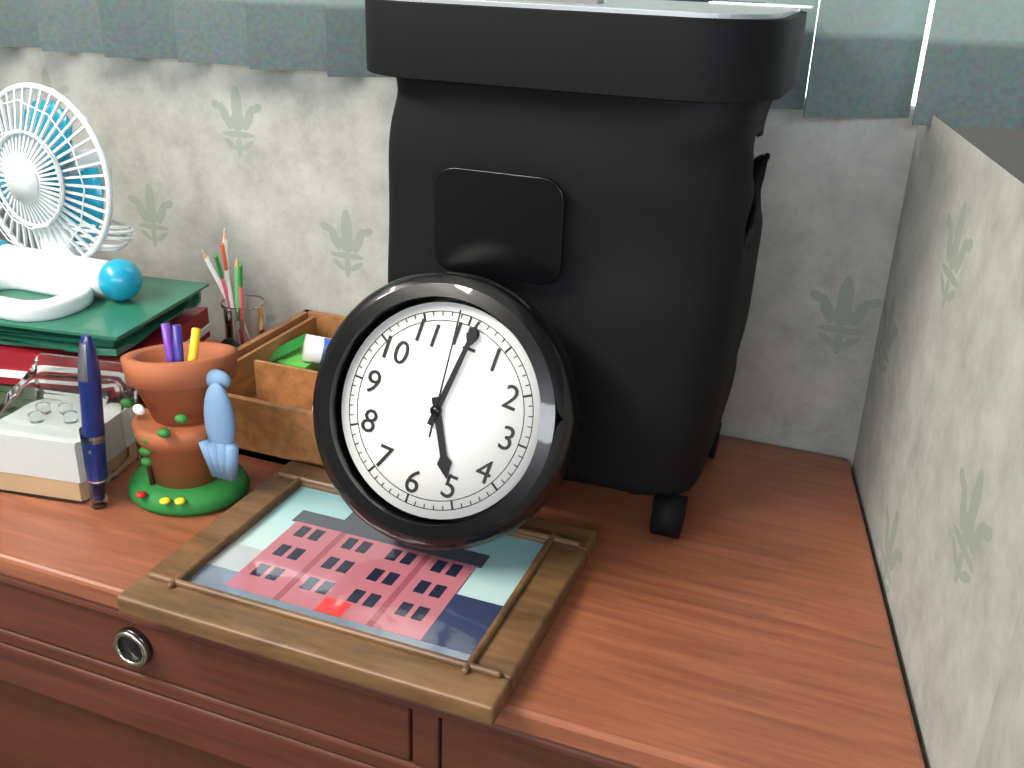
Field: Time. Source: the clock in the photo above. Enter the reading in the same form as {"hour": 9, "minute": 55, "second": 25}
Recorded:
{"hour": 5, "minute": 1, "second": 59}
